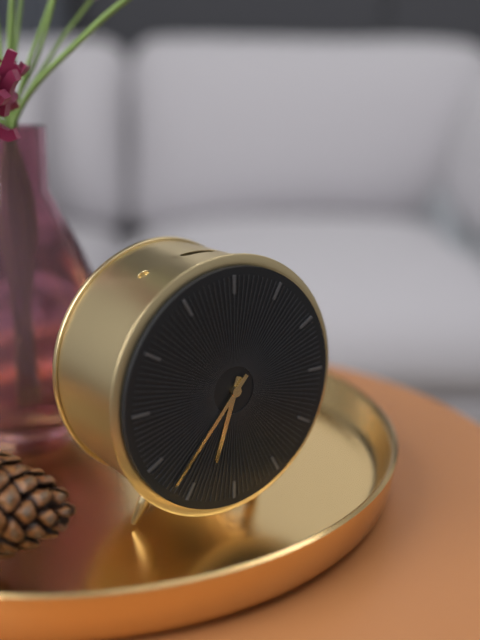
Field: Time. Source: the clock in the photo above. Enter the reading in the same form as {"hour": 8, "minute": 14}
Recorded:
{"hour": 6, "minute": 37}
